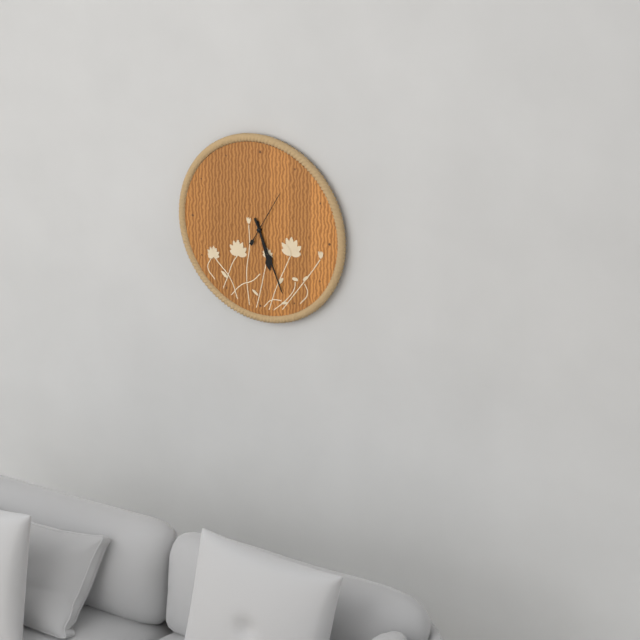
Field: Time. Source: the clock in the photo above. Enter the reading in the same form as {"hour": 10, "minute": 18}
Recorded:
{"hour": 5, "minute": 26}
